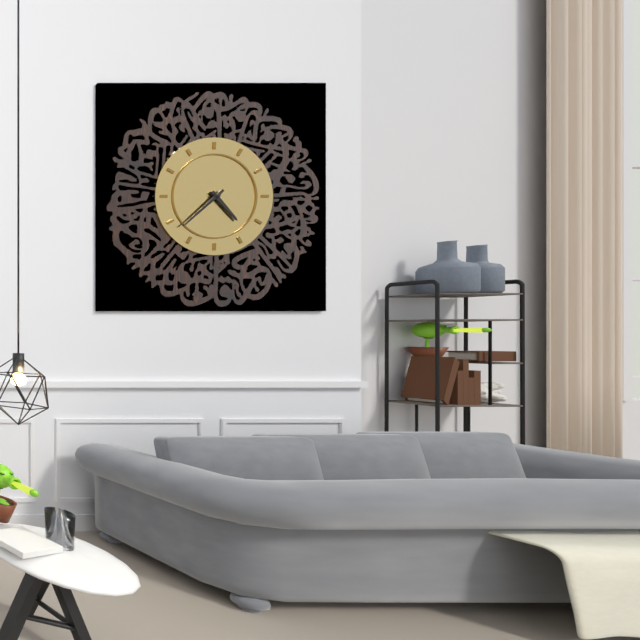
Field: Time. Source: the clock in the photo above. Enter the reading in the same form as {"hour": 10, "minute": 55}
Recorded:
{"hour": 4, "minute": 38}
